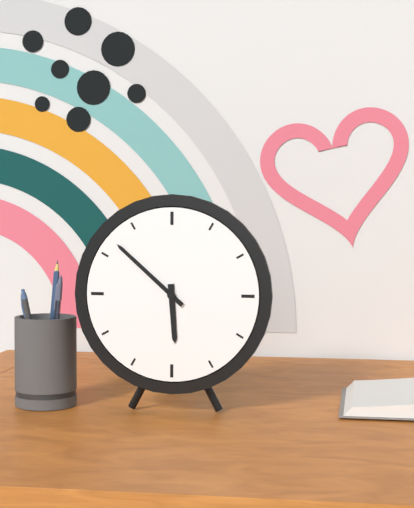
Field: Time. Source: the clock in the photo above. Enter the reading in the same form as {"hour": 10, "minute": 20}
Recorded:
{"hour": 5, "minute": 52}
